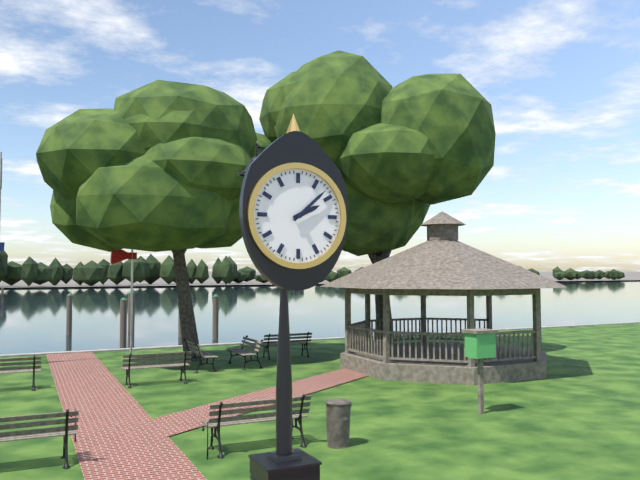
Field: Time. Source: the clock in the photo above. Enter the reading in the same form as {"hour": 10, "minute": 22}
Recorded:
{"hour": 2, "minute": 8}
